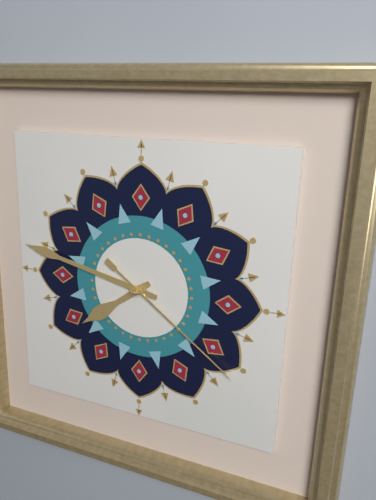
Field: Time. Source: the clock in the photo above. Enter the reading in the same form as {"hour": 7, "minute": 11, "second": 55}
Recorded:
{"hour": 7, "minute": 47, "second": 21}
